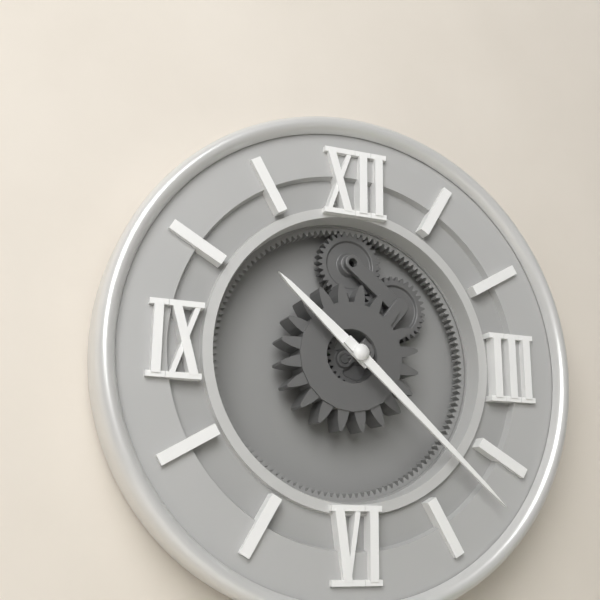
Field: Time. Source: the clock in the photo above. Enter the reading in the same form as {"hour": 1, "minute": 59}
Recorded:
{"hour": 10, "minute": 22}
